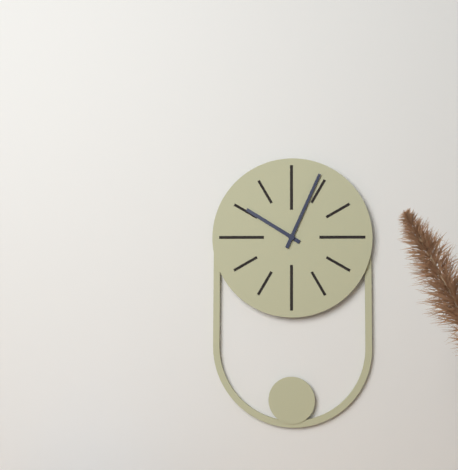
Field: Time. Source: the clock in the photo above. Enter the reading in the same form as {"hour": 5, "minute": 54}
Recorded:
{"hour": 10, "minute": 4}
